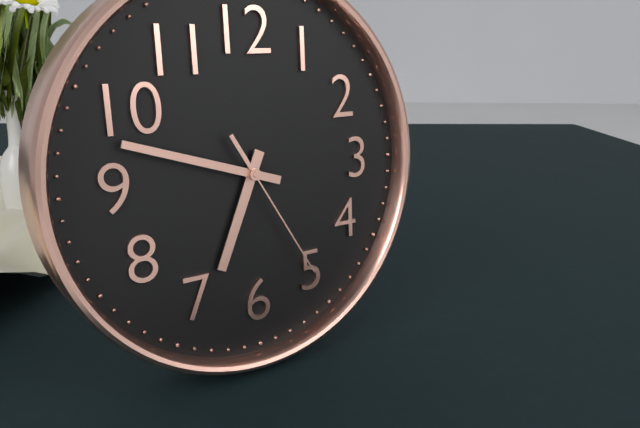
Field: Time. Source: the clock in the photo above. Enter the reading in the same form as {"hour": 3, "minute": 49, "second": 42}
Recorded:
{"hour": 6, "minute": 48, "second": 25}
